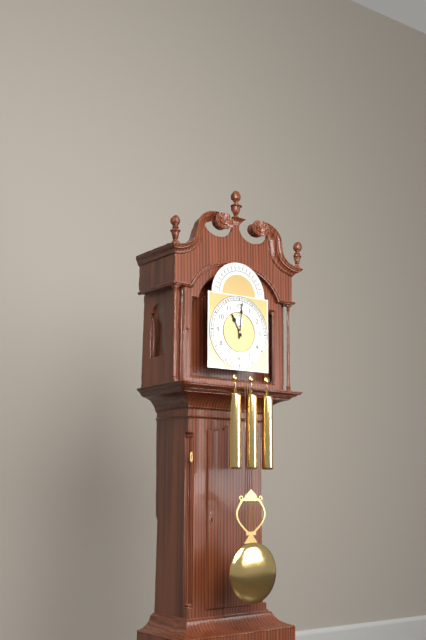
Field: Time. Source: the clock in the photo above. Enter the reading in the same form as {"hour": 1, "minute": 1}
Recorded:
{"hour": 11, "minute": 1}
